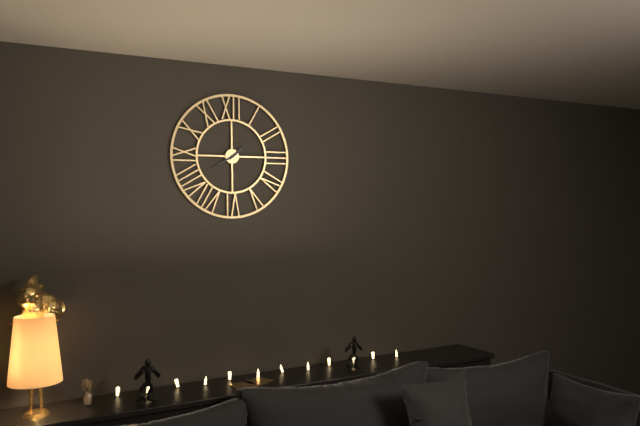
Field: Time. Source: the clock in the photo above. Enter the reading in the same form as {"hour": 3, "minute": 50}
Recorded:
{"hour": 1, "minute": 40}
